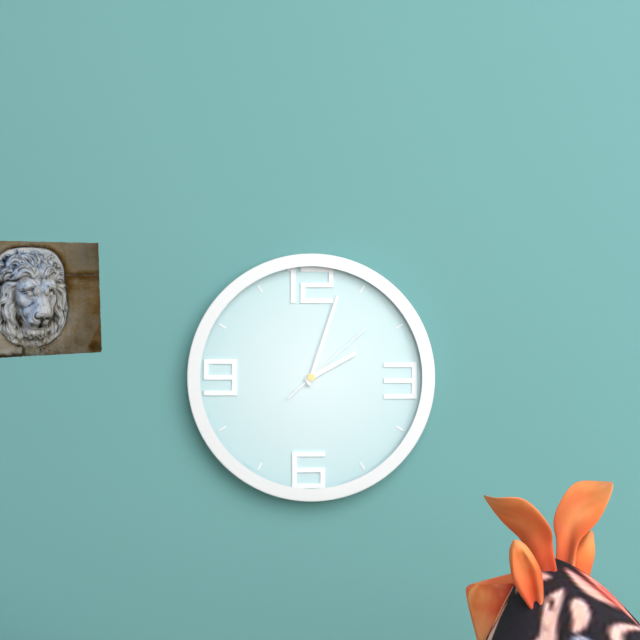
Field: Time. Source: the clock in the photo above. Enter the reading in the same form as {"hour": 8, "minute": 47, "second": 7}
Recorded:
{"hour": 2, "minute": 3, "second": 8}
